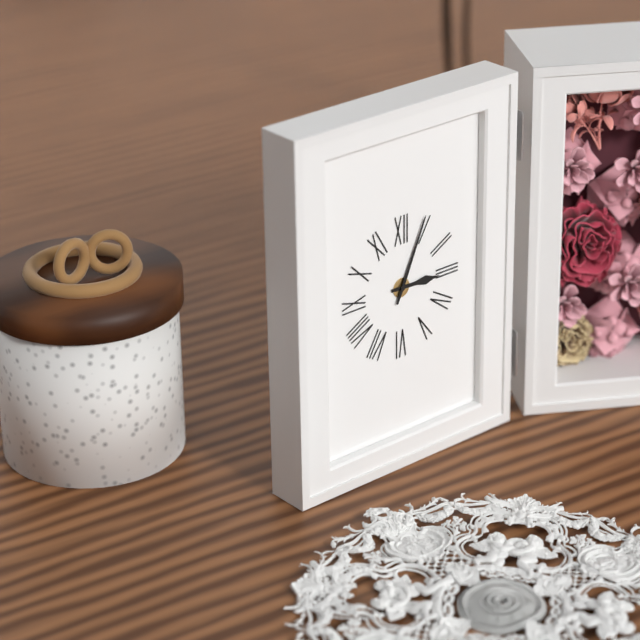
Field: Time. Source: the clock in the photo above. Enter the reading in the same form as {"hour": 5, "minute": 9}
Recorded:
{"hour": 3, "minute": 4}
